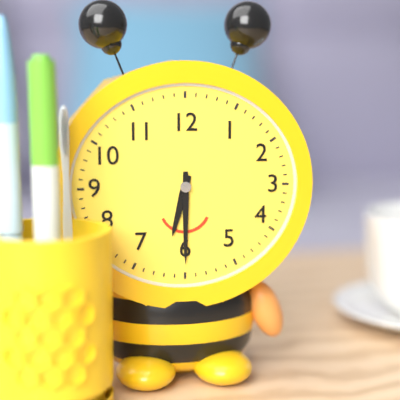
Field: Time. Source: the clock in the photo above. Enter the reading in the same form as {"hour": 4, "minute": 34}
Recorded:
{"hour": 6, "minute": 30}
